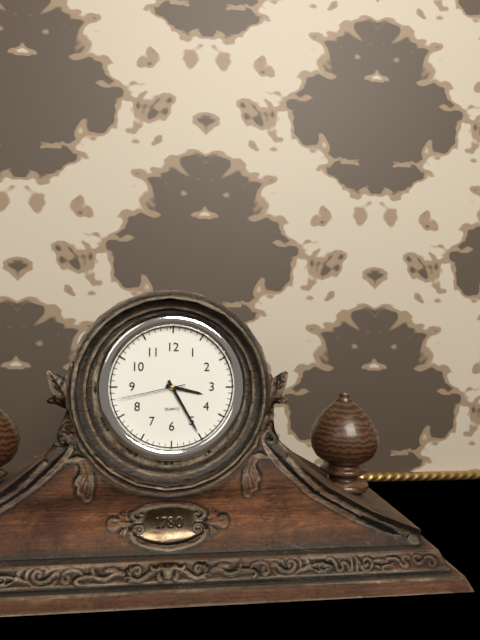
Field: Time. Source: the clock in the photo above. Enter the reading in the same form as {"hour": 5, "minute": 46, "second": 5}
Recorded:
{"hour": 3, "minute": 25, "second": 43}
